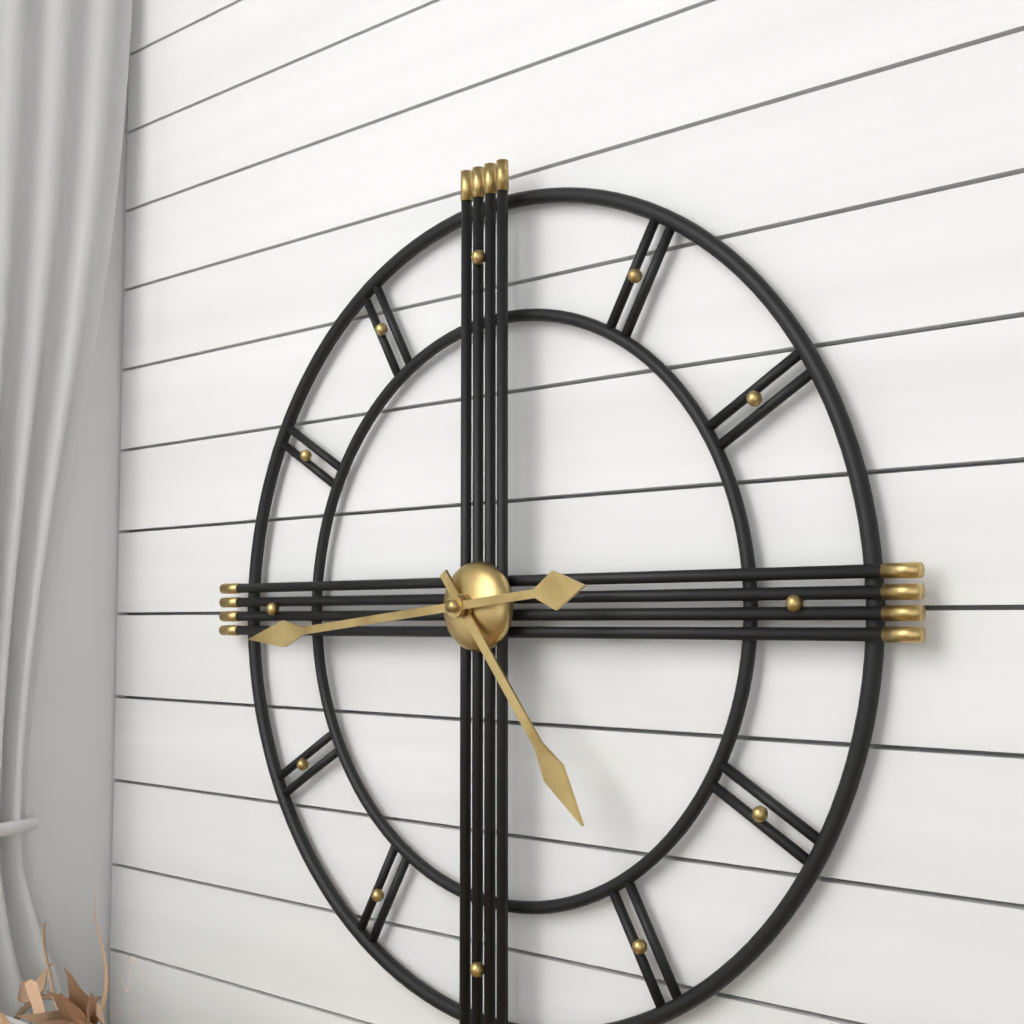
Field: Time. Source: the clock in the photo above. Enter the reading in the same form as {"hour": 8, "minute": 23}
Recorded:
{"hour": 4, "minute": 44}
